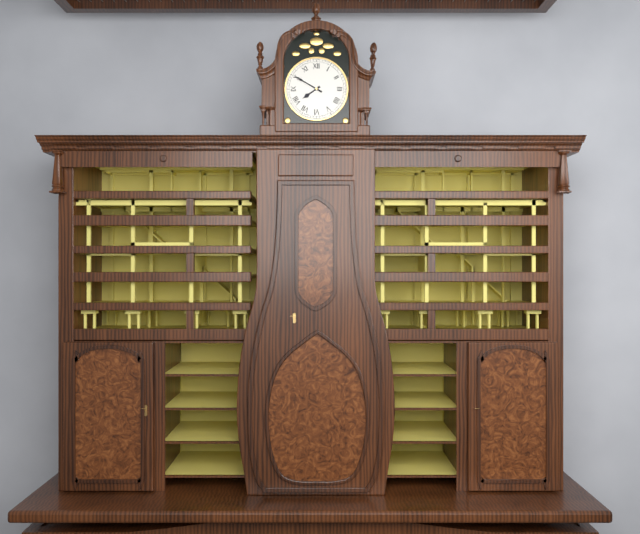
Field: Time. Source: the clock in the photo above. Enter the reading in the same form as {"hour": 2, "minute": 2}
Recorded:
{"hour": 7, "minute": 50}
